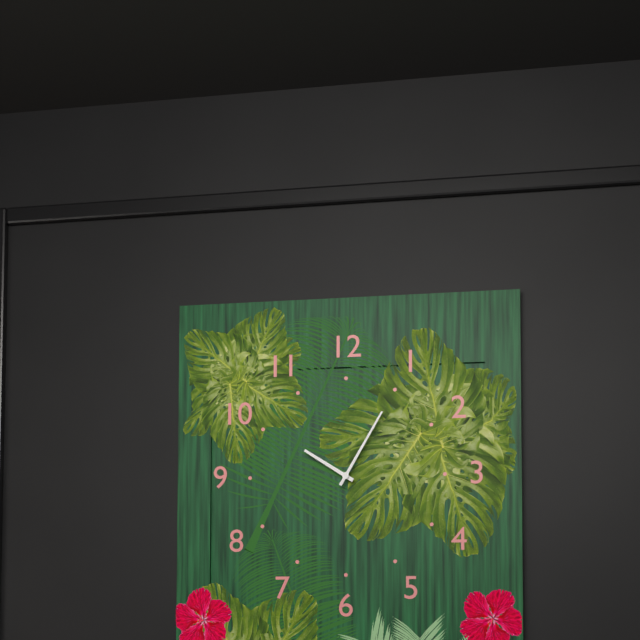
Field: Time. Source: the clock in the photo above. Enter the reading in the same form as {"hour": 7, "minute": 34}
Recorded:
{"hour": 10, "minute": 5}
